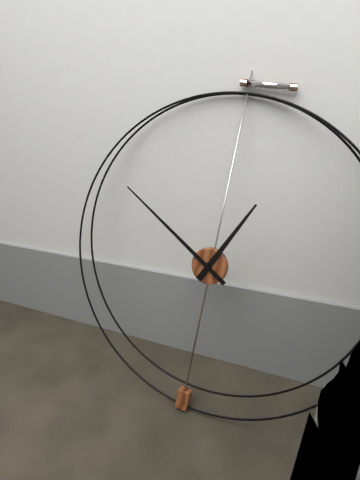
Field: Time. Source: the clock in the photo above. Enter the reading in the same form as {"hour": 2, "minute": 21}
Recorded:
{"hour": 12, "minute": 50}
